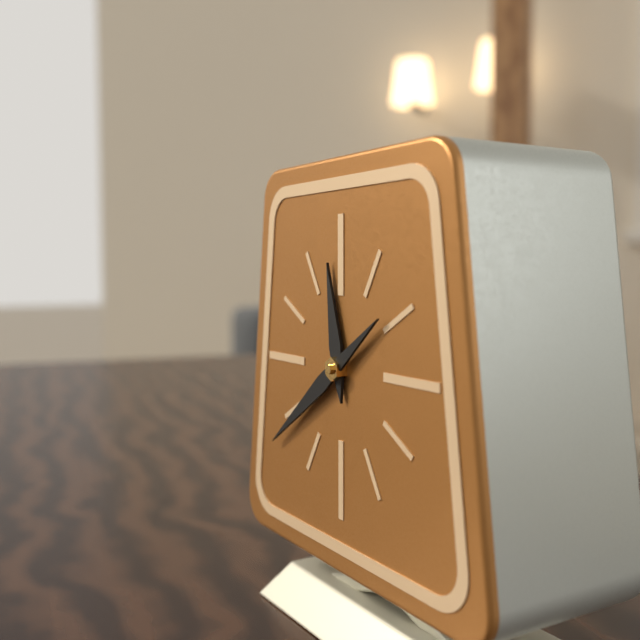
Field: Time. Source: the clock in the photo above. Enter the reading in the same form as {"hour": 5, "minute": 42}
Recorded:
{"hour": 11, "minute": 39}
